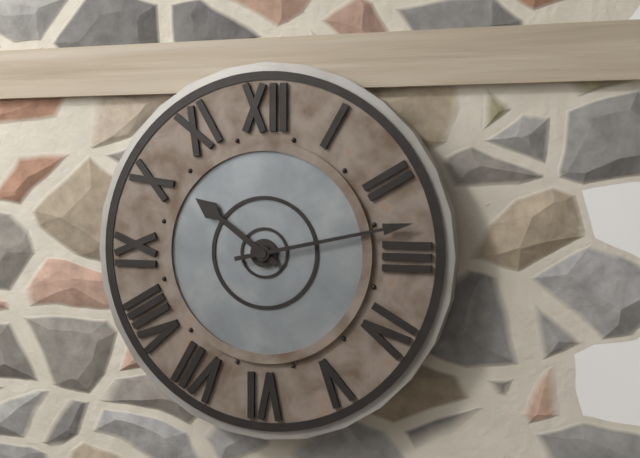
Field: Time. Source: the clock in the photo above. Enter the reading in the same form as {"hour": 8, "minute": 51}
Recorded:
{"hour": 10, "minute": 13}
